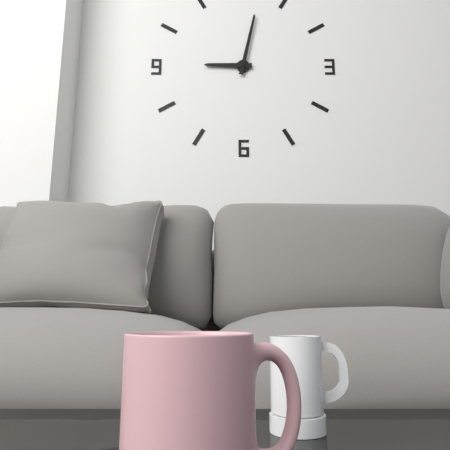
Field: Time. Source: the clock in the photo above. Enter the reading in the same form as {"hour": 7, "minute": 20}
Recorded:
{"hour": 9, "minute": 2}
